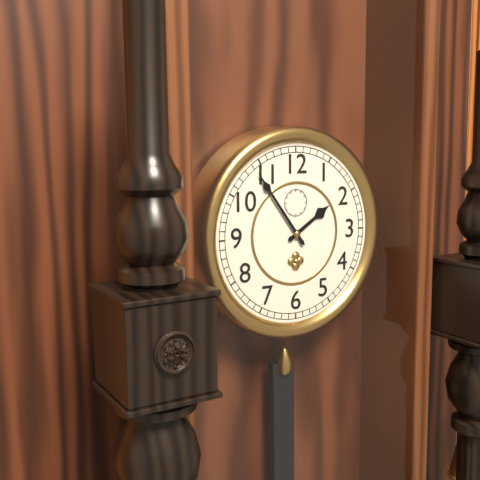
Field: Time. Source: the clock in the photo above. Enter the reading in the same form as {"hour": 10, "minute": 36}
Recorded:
{"hour": 1, "minute": 54}
